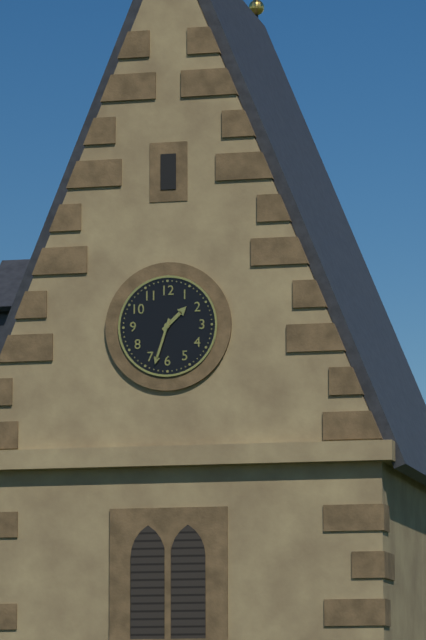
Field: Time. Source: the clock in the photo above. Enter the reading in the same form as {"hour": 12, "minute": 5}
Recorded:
{"hour": 1, "minute": 33}
